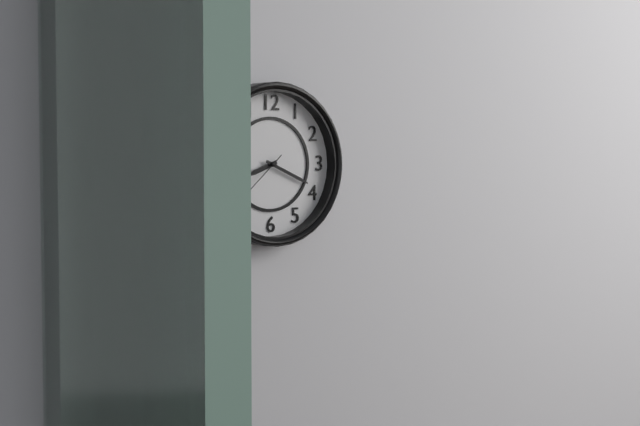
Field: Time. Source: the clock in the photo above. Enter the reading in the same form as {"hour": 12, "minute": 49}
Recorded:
{"hour": 8, "minute": 19}
